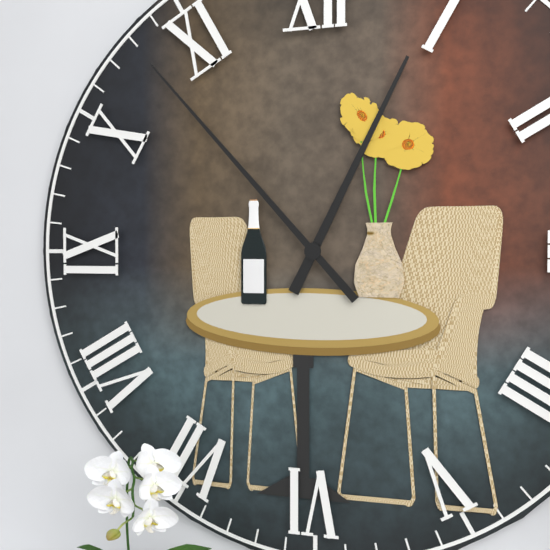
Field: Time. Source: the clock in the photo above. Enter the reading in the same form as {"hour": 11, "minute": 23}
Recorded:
{"hour": 12, "minute": 53}
